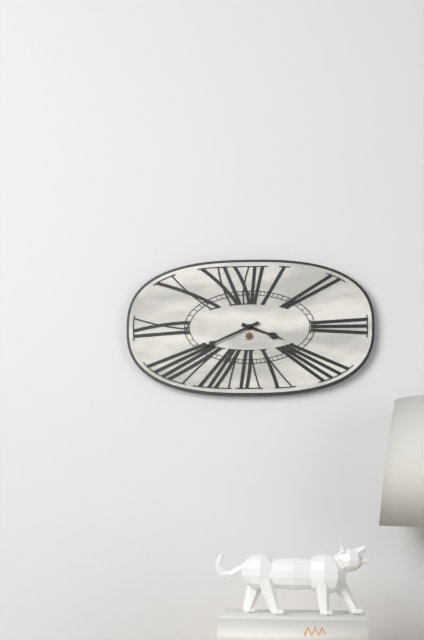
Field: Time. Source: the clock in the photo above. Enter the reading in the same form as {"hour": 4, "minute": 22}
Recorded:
{"hour": 3, "minute": 41}
